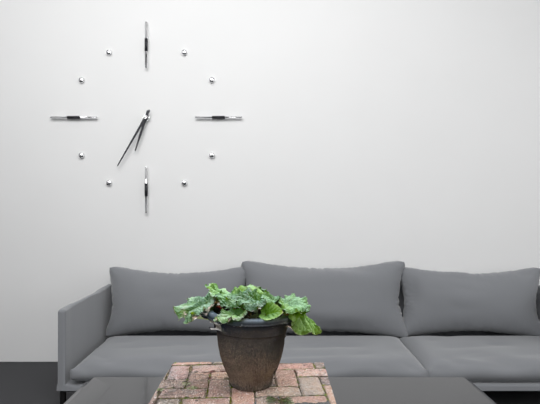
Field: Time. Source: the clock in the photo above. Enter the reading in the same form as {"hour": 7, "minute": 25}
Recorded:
{"hour": 6, "minute": 35}
